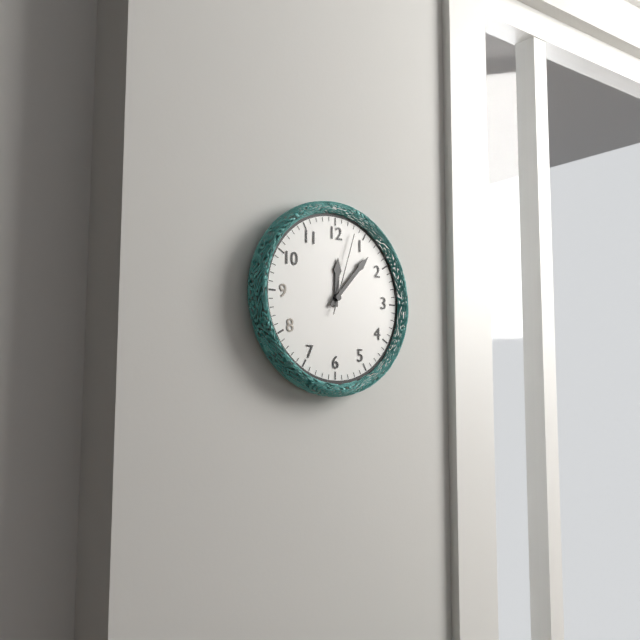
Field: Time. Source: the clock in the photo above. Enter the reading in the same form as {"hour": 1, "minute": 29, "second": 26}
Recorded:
{"hour": 12, "minute": 7, "second": 3}
